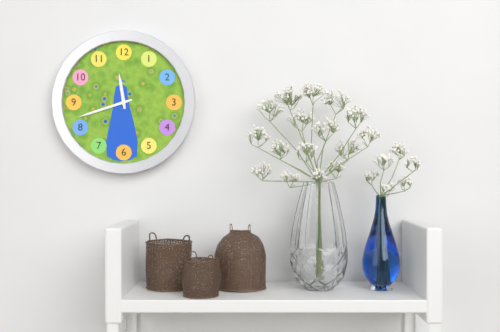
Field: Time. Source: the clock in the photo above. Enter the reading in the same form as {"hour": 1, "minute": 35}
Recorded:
{"hour": 11, "minute": 42}
